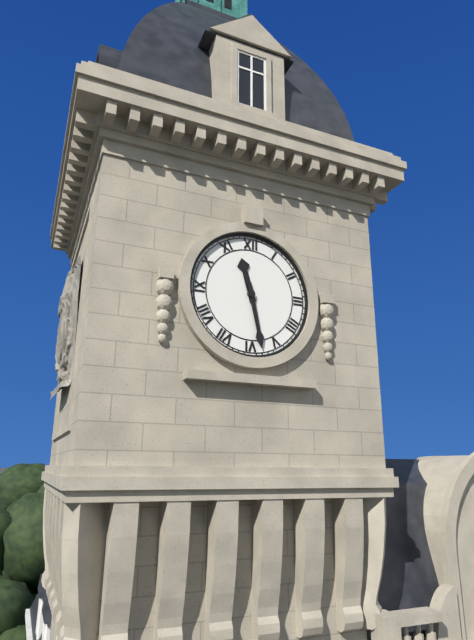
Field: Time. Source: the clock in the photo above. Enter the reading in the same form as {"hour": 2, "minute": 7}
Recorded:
{"hour": 11, "minute": 28}
